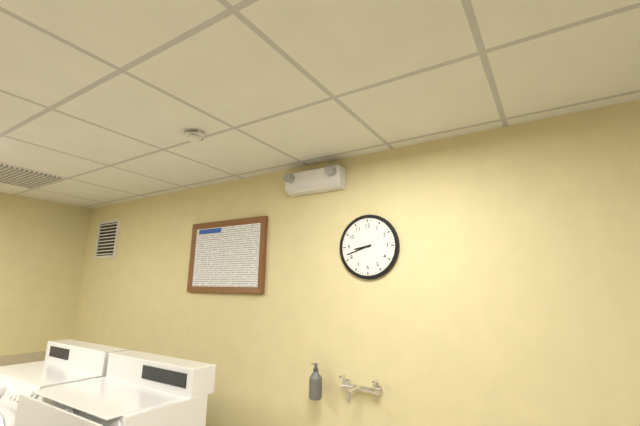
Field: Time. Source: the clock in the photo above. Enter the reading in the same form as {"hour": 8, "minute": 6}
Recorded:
{"hour": 8, "minute": 42}
